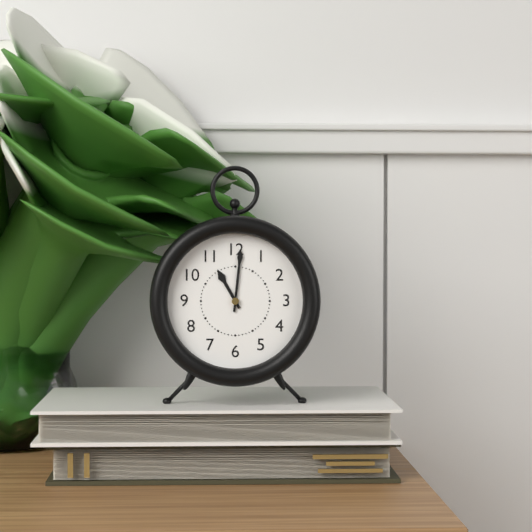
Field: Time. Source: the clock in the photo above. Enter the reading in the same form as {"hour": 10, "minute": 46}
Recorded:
{"hour": 11, "minute": 1}
